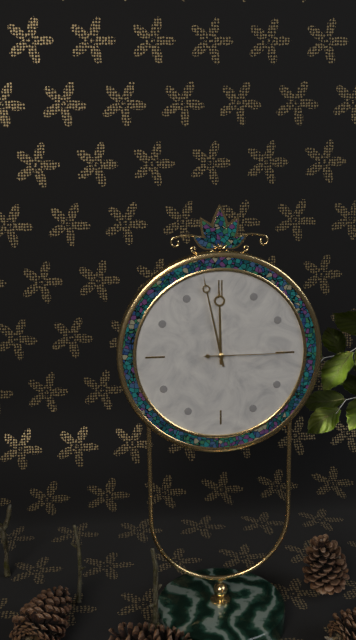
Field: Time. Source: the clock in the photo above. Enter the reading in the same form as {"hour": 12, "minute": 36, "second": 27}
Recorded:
{"hour": 11, "minute": 58, "second": 15}
